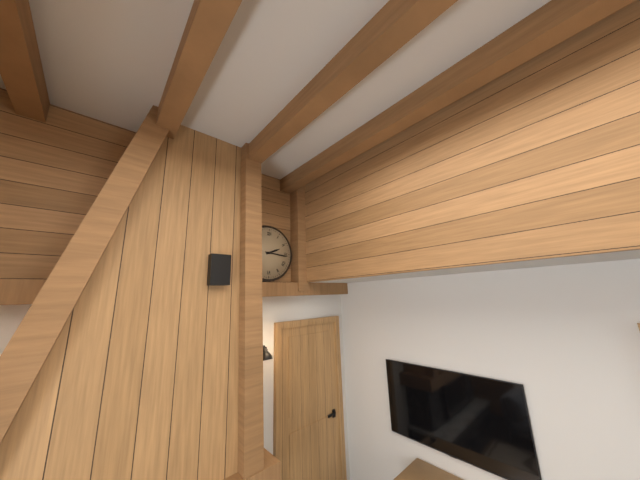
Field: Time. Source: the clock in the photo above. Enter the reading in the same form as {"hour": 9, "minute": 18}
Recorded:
{"hour": 2, "minute": 16}
